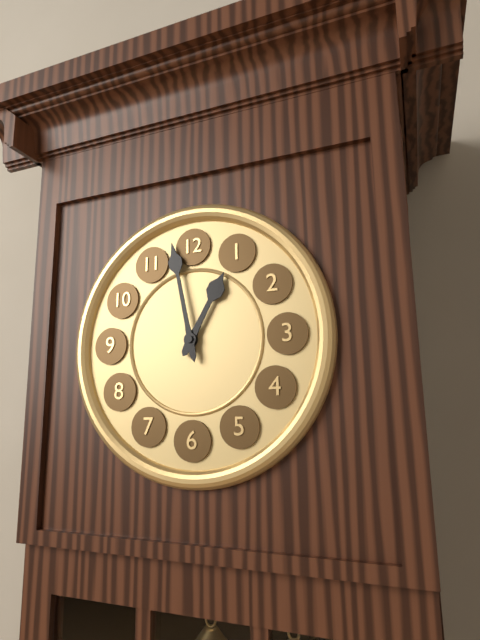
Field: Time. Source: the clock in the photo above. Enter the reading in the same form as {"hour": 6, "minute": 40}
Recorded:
{"hour": 12, "minute": 58}
